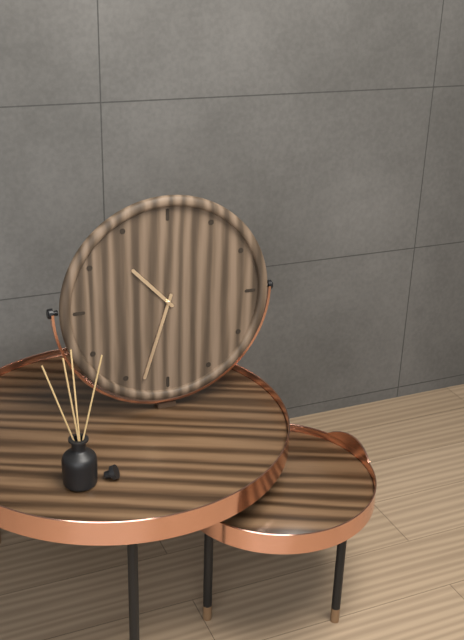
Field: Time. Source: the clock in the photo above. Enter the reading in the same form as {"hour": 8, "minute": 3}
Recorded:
{"hour": 10, "minute": 33}
